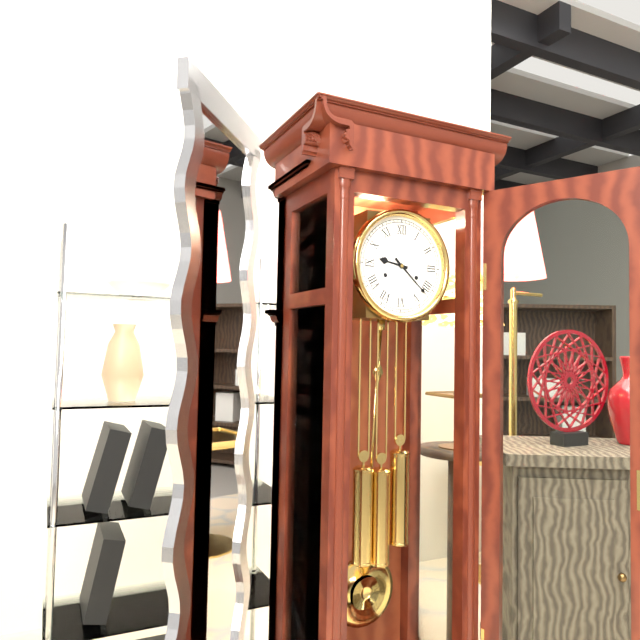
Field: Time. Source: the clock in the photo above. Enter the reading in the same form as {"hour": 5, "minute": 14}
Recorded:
{"hour": 9, "minute": 22}
